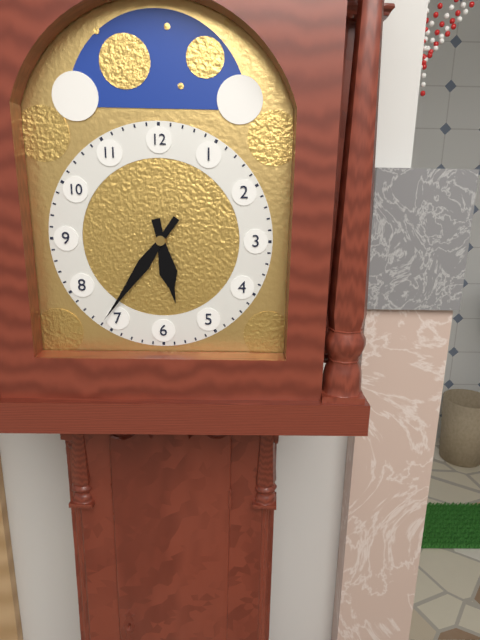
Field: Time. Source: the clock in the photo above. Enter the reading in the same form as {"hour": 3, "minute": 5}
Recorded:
{"hour": 5, "minute": 36}
